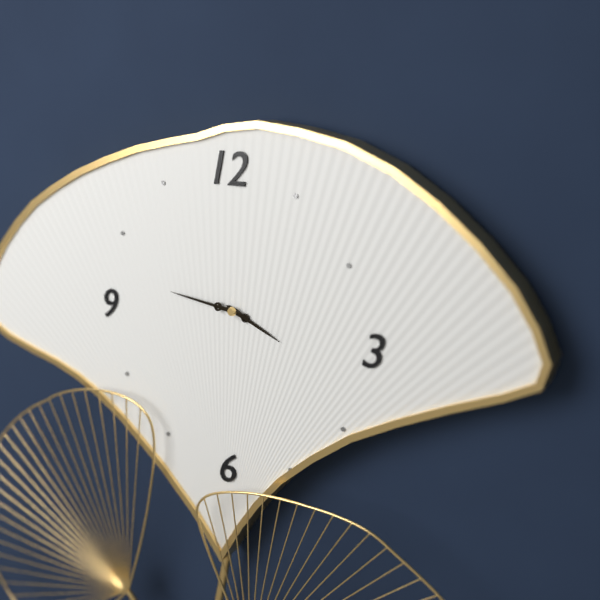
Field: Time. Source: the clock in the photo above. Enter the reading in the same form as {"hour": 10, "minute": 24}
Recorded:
{"hour": 3, "minute": 46}
